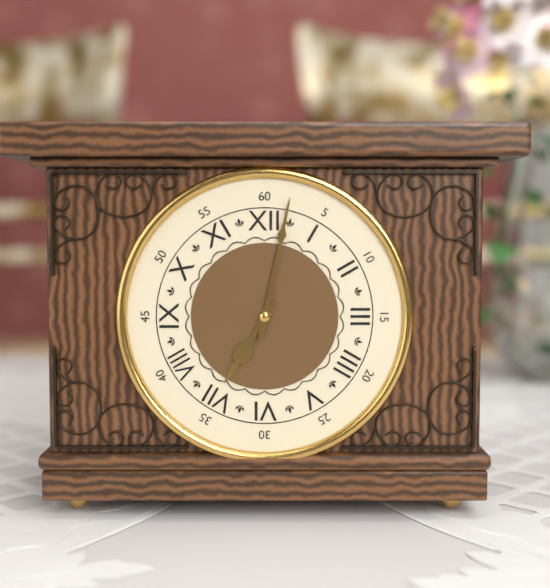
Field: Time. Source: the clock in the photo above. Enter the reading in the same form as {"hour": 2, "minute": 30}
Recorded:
{"hour": 7, "minute": 2}
